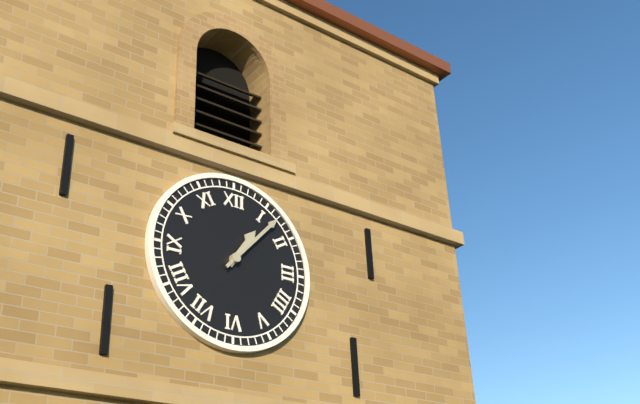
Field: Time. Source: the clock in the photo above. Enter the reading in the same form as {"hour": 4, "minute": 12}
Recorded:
{"hour": 1, "minute": 7}
